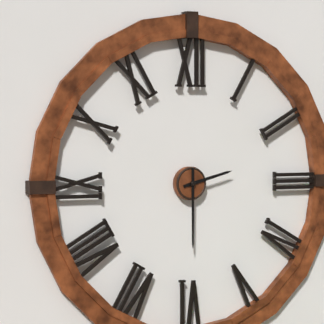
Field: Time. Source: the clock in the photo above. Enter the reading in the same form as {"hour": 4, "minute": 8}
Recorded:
{"hour": 2, "minute": 30}
